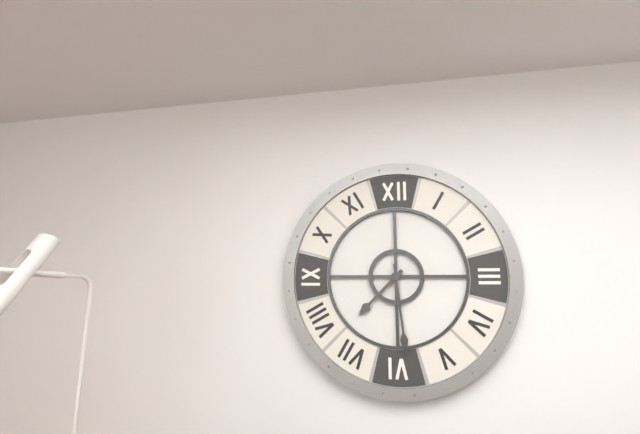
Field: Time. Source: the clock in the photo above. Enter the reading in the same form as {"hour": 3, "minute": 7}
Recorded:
{"hour": 7, "minute": 29}
